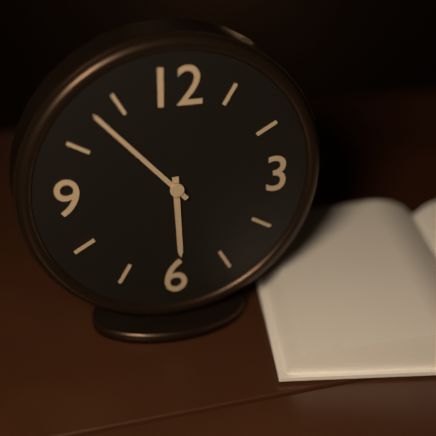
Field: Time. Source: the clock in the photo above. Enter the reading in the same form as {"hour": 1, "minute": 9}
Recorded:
{"hour": 5, "minute": 53}
